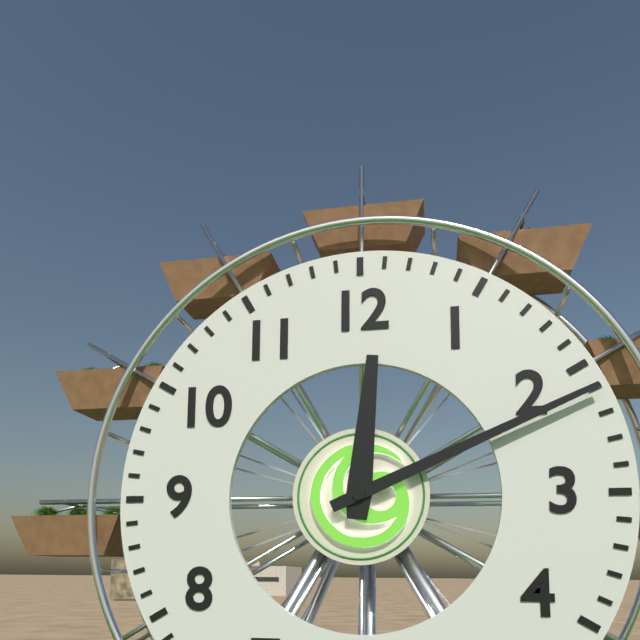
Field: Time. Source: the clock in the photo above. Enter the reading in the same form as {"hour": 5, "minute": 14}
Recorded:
{"hour": 12, "minute": 11}
